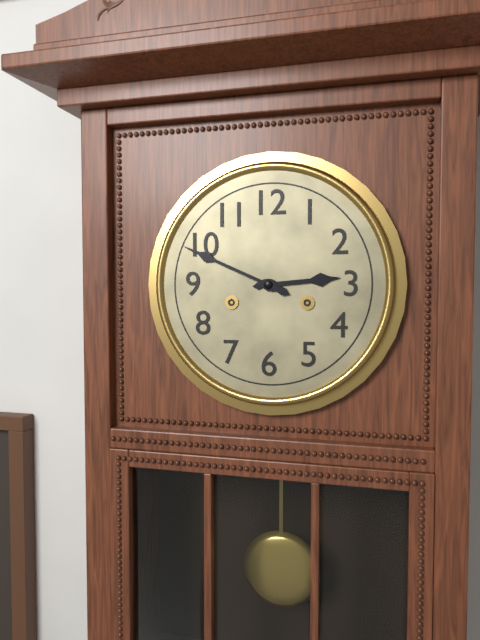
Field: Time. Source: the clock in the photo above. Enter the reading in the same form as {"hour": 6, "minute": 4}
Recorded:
{"hour": 2, "minute": 49}
